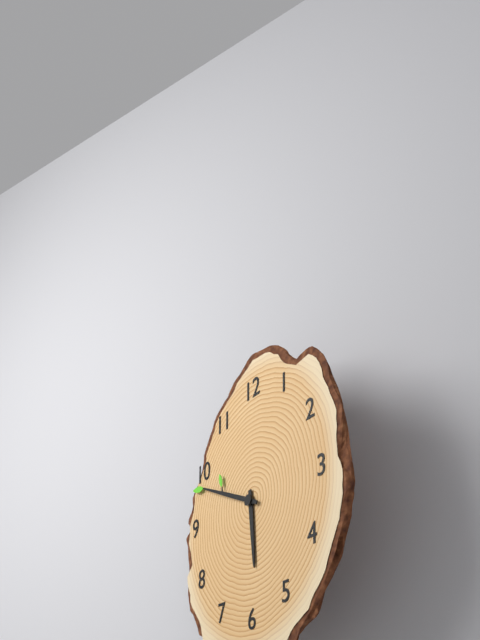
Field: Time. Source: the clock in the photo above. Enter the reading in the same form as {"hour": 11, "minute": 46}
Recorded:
{"hour": 5, "minute": 49}
